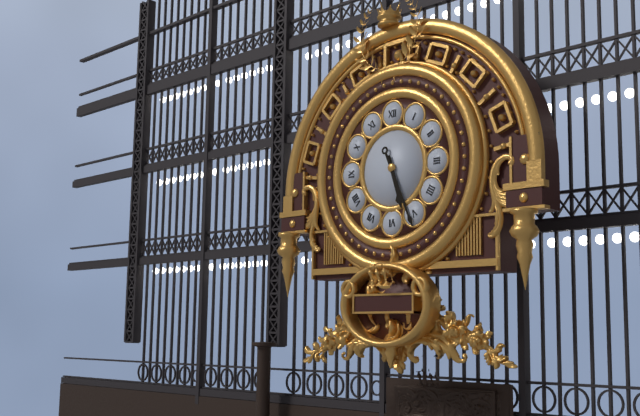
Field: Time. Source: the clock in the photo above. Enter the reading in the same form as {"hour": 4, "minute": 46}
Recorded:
{"hour": 5, "minute": 26}
